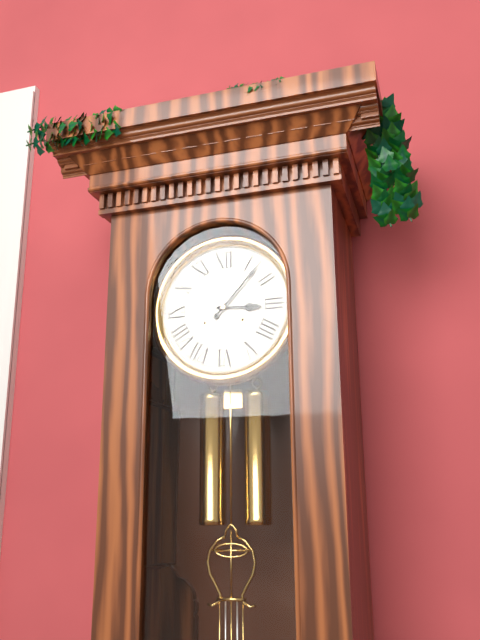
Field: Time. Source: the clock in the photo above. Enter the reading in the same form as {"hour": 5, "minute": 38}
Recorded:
{"hour": 3, "minute": 7}
